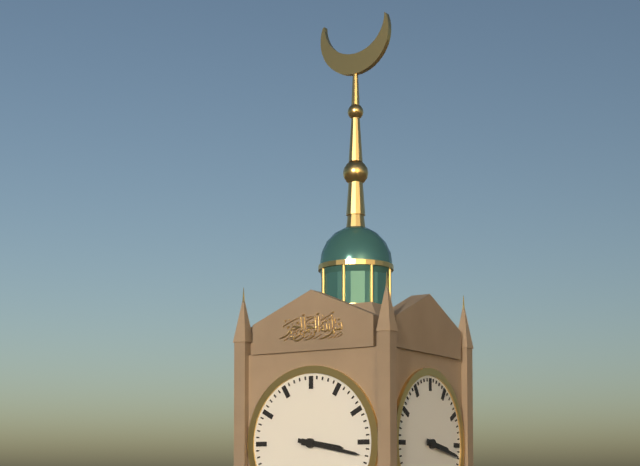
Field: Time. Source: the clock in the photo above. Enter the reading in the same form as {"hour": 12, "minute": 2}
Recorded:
{"hour": 3, "minute": 17}
